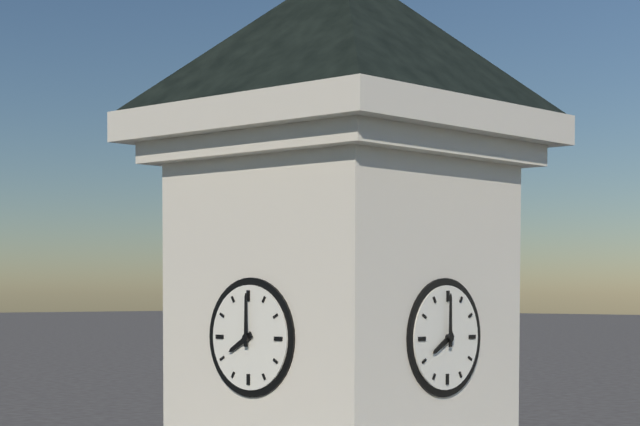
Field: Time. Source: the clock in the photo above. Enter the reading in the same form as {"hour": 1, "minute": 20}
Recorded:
{"hour": 8, "minute": 0}
